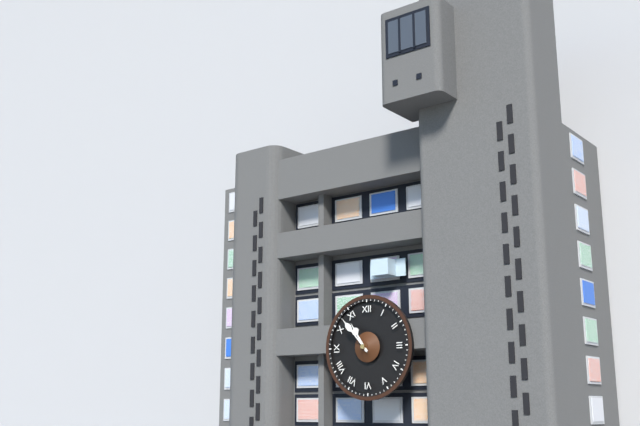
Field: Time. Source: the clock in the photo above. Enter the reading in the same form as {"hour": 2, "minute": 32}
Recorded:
{"hour": 10, "minute": 53}
